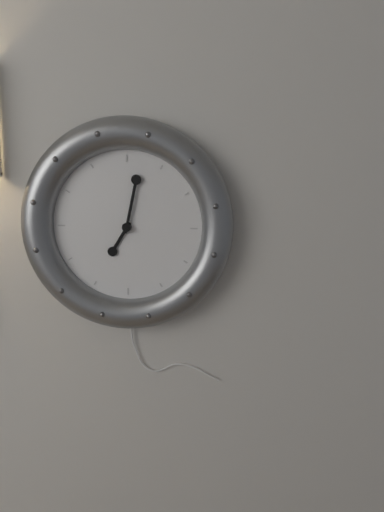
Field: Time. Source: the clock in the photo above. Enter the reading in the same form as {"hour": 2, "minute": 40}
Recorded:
{"hour": 7, "minute": 2}
